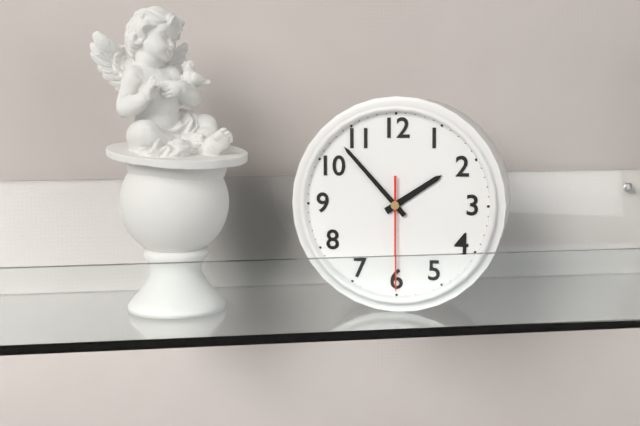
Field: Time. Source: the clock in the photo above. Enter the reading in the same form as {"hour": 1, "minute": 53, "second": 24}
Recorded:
{"hour": 1, "minute": 53, "second": 30}
